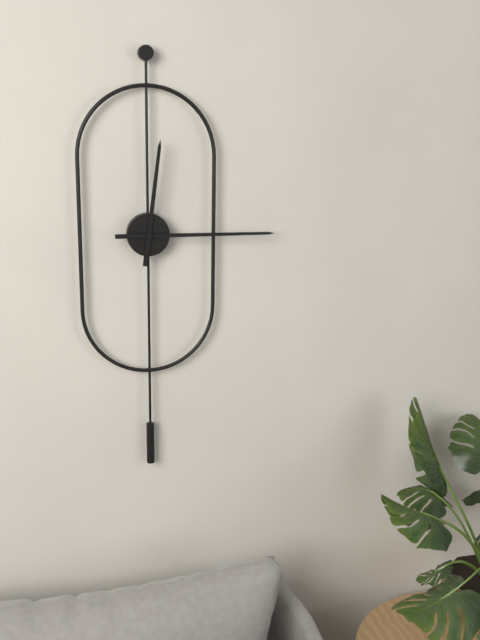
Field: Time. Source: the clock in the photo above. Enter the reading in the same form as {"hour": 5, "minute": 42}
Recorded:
{"hour": 12, "minute": 15}
